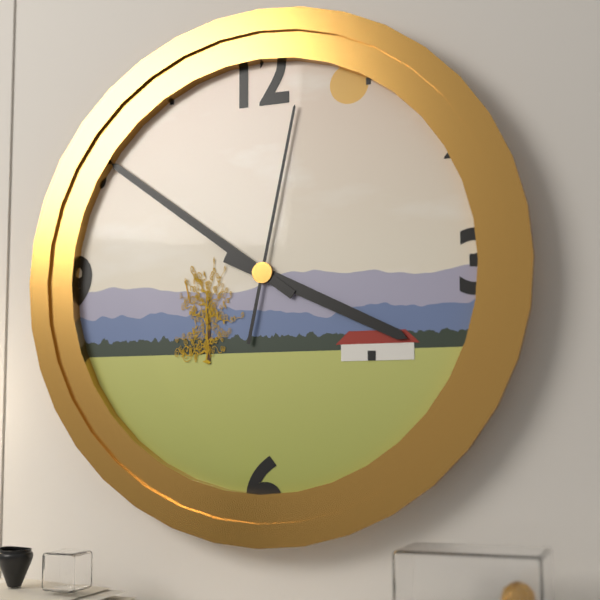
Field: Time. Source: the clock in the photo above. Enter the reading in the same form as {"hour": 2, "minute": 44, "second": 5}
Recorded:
{"hour": 3, "minute": 51, "second": 2}
